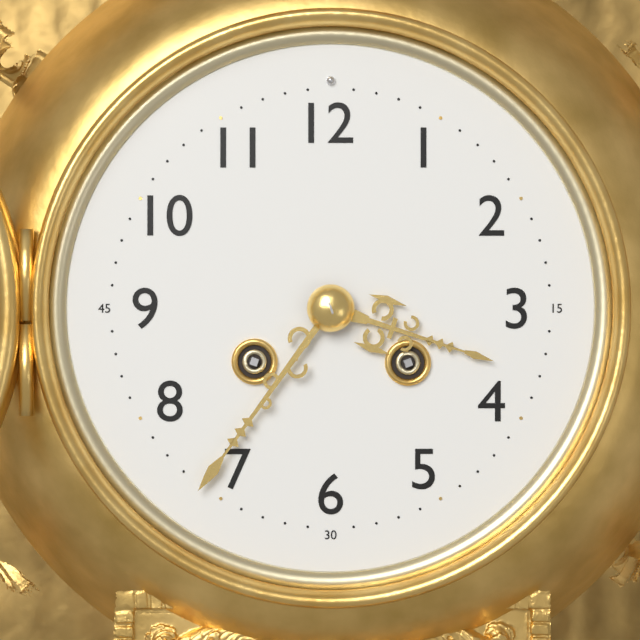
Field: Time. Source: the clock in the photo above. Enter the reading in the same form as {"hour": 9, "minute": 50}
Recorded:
{"hour": 3, "minute": 36}
